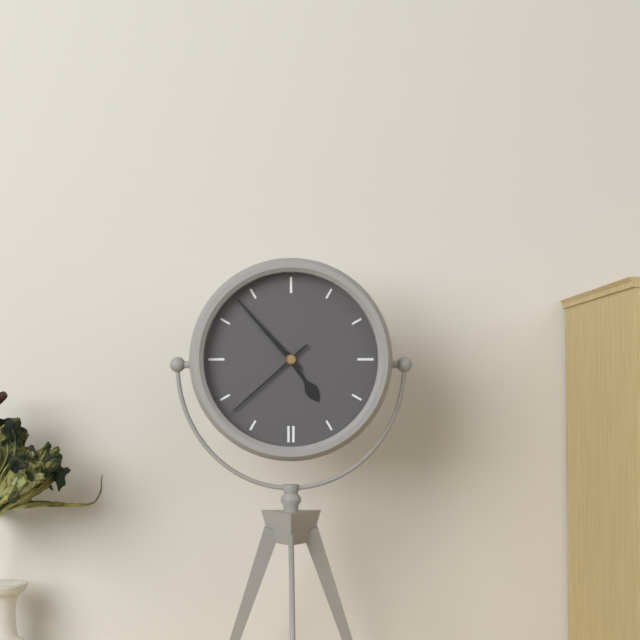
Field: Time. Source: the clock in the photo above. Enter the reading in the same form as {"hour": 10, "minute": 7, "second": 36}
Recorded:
{"hour": 4, "minute": 53, "second": 38}
